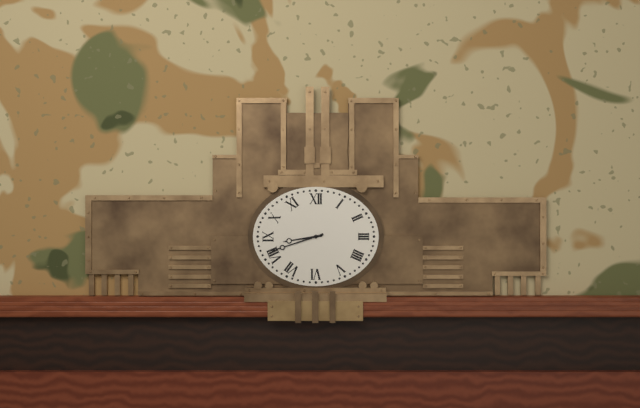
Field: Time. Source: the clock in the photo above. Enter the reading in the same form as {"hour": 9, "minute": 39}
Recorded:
{"hour": 8, "minute": 42}
